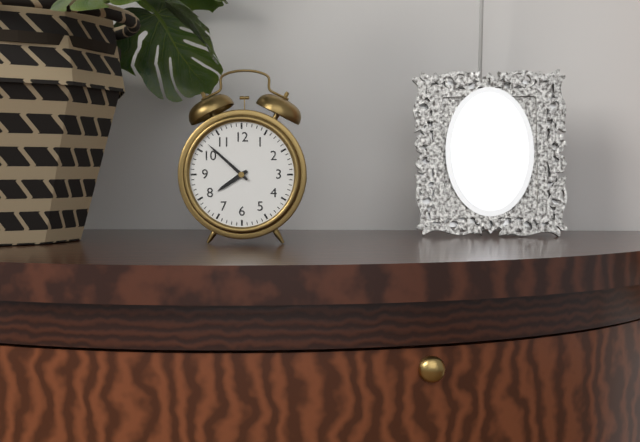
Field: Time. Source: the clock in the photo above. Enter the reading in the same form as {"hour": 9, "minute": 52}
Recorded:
{"hour": 7, "minute": 52}
